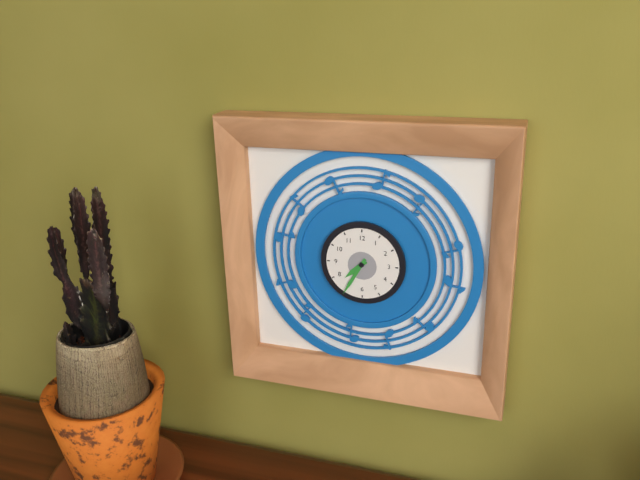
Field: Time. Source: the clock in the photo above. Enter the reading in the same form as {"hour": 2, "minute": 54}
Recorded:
{"hour": 7, "minute": 35}
